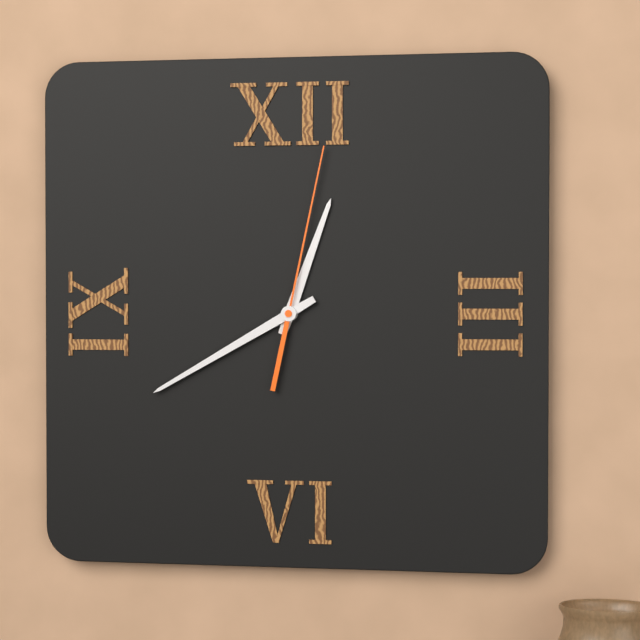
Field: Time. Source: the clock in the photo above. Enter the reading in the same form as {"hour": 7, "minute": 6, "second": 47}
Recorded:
{"hour": 12, "minute": 40, "second": 2}
